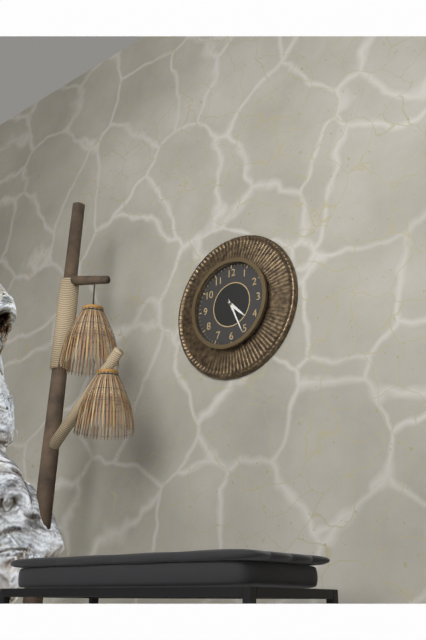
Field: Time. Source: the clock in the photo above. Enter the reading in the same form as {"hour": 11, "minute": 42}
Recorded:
{"hour": 4, "minute": 26}
